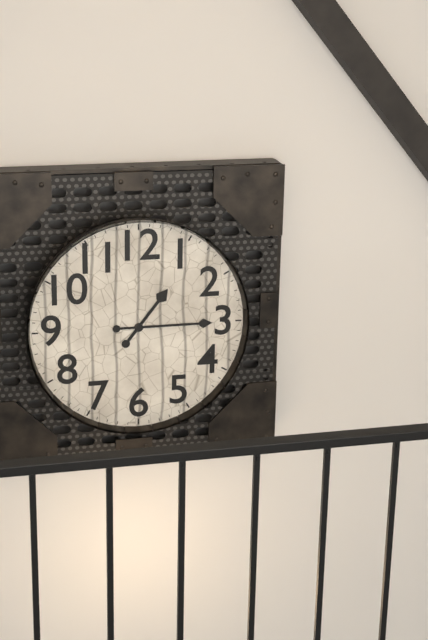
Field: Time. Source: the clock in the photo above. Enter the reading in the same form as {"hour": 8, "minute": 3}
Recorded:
{"hour": 1, "minute": 15}
